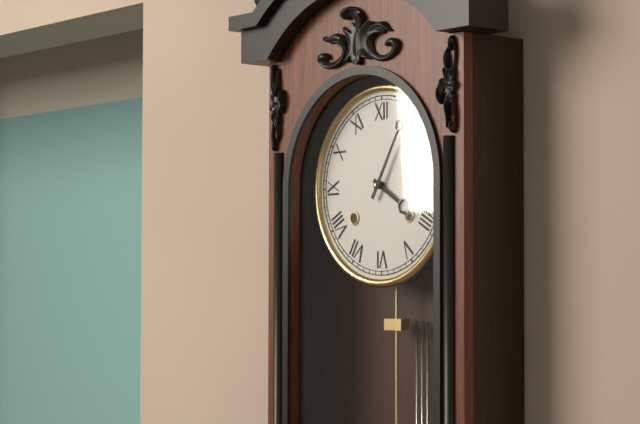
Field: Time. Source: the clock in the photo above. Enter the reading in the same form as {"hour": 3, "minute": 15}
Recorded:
{"hour": 4, "minute": 5}
